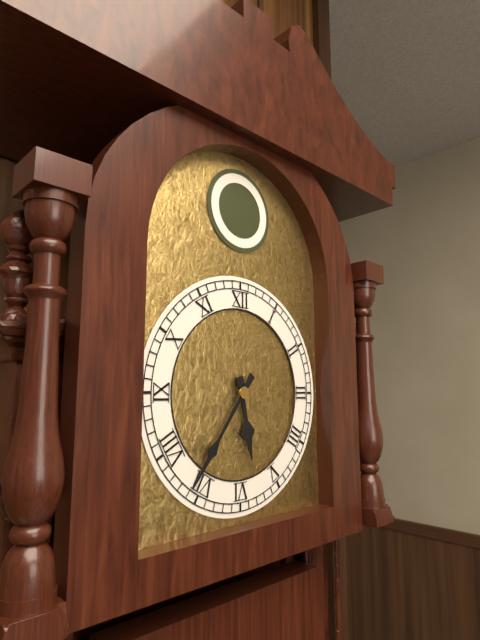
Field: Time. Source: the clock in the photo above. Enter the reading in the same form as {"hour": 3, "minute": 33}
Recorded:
{"hour": 5, "minute": 36}
